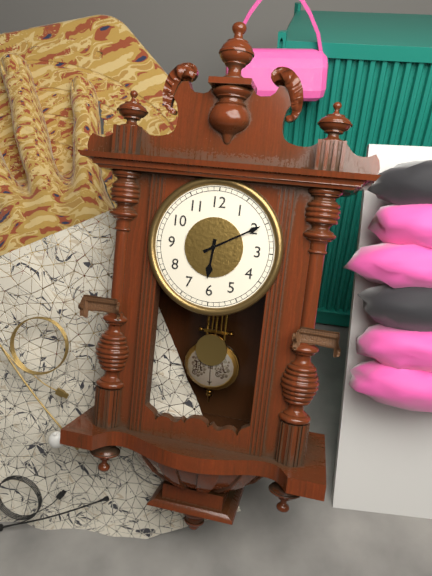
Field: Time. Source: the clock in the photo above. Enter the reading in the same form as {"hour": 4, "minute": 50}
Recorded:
{"hour": 6, "minute": 10}
